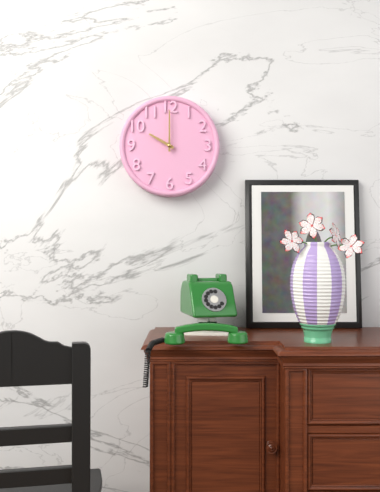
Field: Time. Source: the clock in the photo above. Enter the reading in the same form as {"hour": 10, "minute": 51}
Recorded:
{"hour": 10, "minute": 0}
